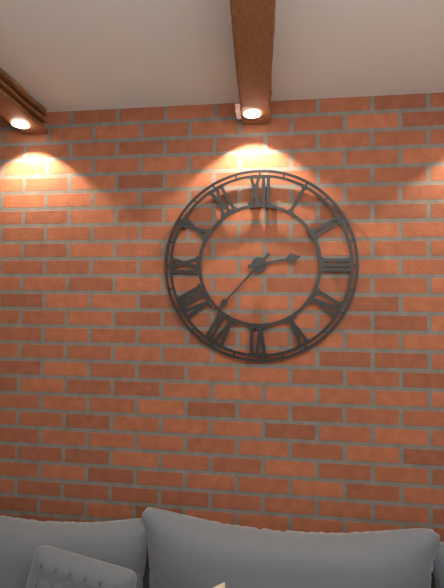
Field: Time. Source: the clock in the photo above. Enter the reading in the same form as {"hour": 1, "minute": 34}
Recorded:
{"hour": 2, "minute": 37}
